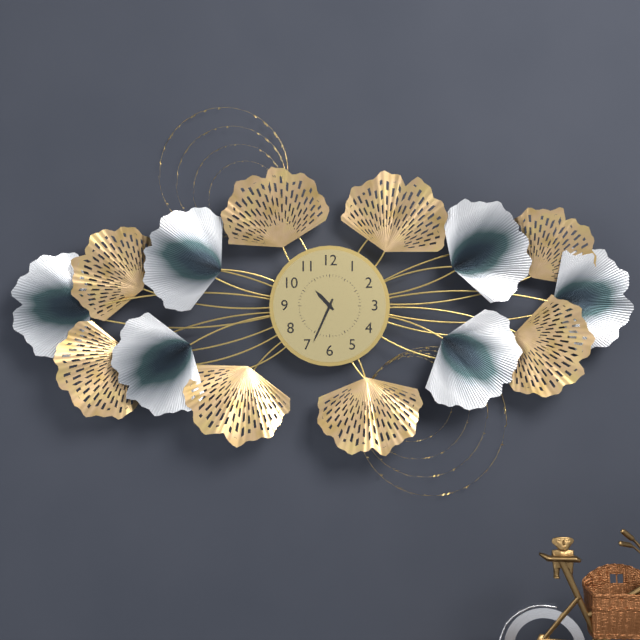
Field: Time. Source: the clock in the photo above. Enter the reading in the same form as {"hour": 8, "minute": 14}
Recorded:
{"hour": 10, "minute": 34}
